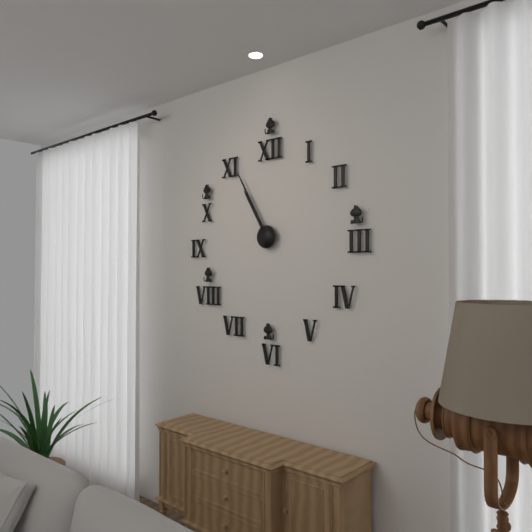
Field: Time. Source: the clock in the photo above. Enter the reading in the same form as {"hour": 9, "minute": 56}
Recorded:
{"hour": 10, "minute": 55}
